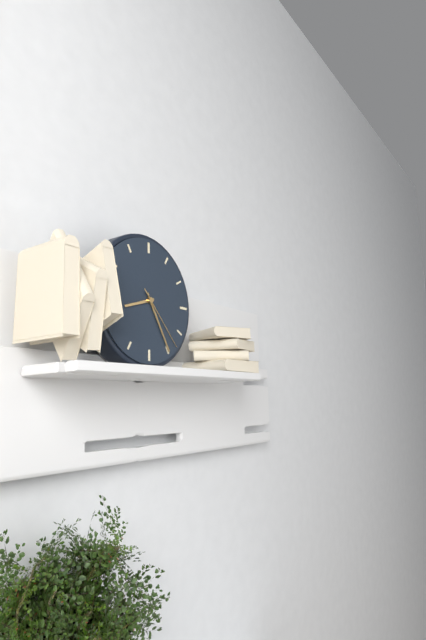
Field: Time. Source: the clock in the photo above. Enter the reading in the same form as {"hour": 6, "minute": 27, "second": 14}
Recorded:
{"hour": 8, "minute": 25, "second": 23}
